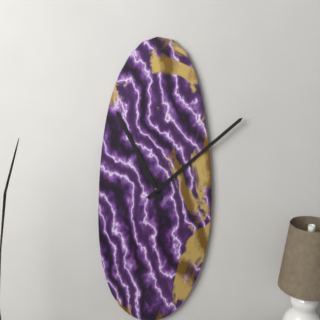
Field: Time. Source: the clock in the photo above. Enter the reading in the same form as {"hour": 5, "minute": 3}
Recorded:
{"hour": 11, "minute": 8}
